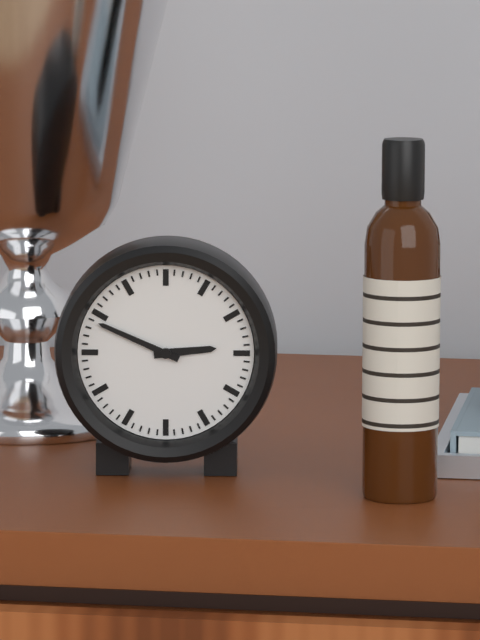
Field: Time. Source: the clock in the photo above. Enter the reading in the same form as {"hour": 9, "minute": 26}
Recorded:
{"hour": 2, "minute": 49}
